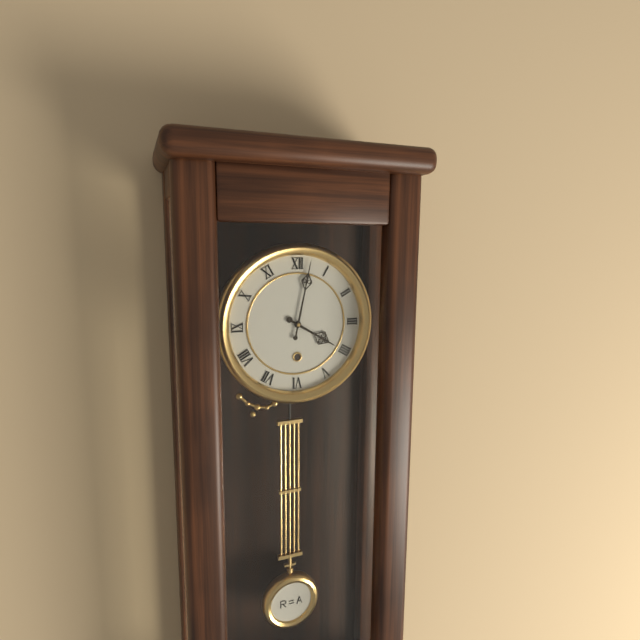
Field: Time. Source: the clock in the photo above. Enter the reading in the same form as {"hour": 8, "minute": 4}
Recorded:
{"hour": 4, "minute": 2}
